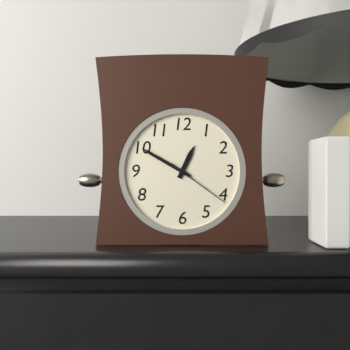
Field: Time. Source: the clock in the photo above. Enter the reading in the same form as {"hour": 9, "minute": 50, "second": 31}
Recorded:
{"hour": 12, "minute": 50, "second": 21}
